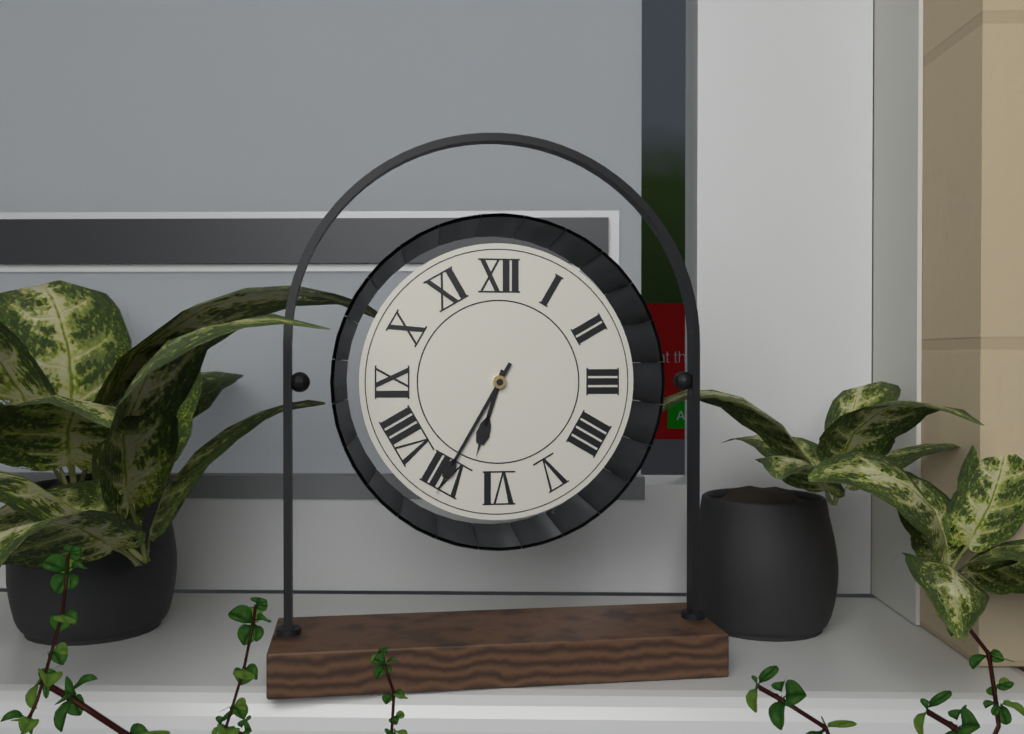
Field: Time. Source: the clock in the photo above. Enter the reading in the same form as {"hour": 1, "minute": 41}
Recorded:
{"hour": 6, "minute": 35}
